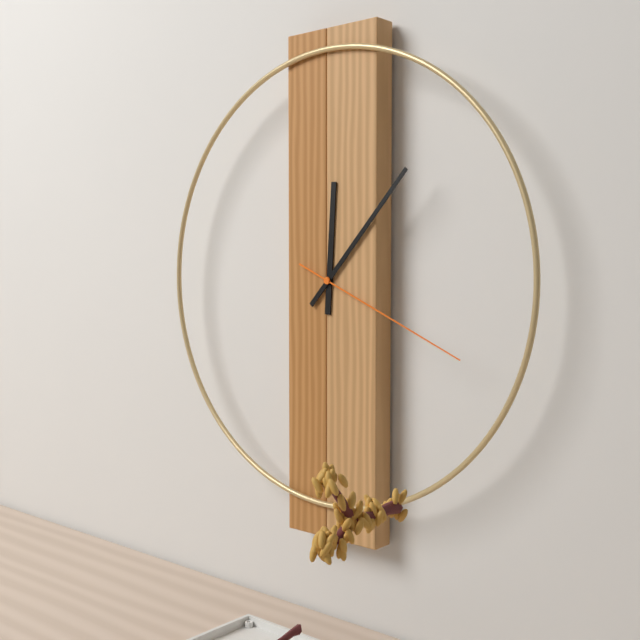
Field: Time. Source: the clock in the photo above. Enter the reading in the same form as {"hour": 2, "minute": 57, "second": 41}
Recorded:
{"hour": 12, "minute": 7, "second": 19}
